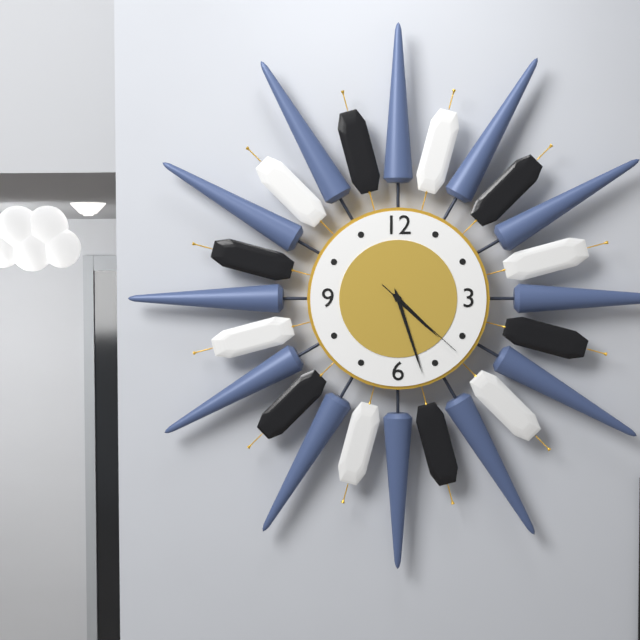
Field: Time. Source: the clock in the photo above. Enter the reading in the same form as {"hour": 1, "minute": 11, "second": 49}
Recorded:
{"hour": 4, "minute": 27, "second": 22}
